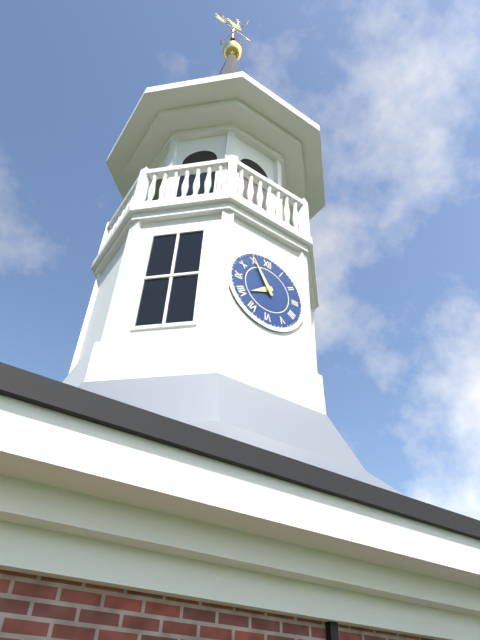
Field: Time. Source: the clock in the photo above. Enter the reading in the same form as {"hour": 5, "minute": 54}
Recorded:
{"hour": 7, "minute": 55}
